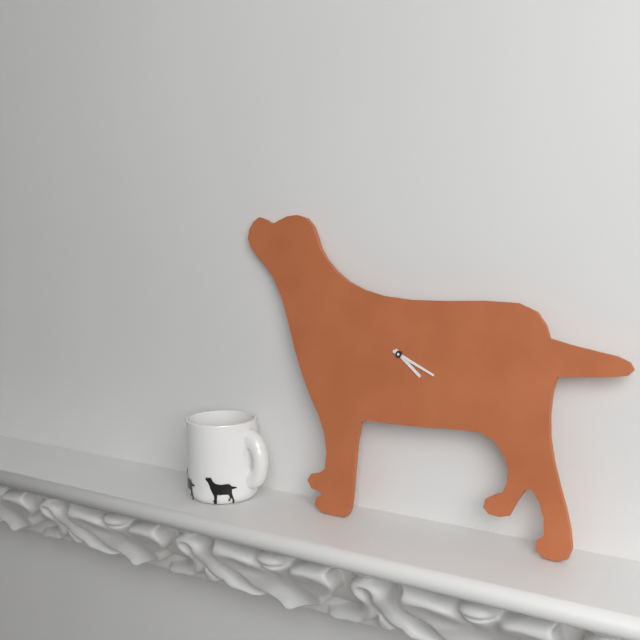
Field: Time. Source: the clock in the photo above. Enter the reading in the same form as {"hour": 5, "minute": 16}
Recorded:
{"hour": 4, "minute": 19}
